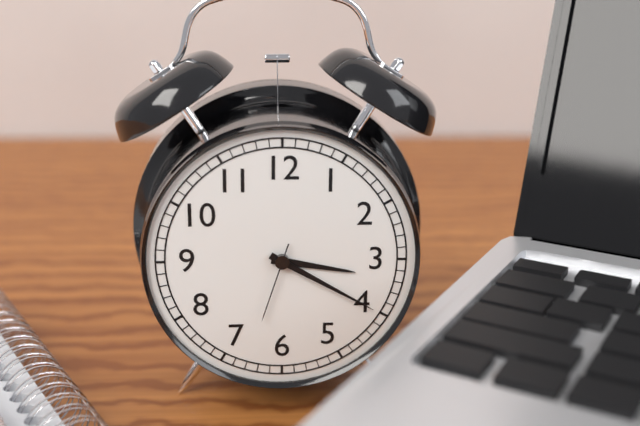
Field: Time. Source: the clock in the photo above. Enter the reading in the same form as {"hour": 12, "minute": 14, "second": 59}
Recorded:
{"hour": 3, "minute": 20, "second": 33}
